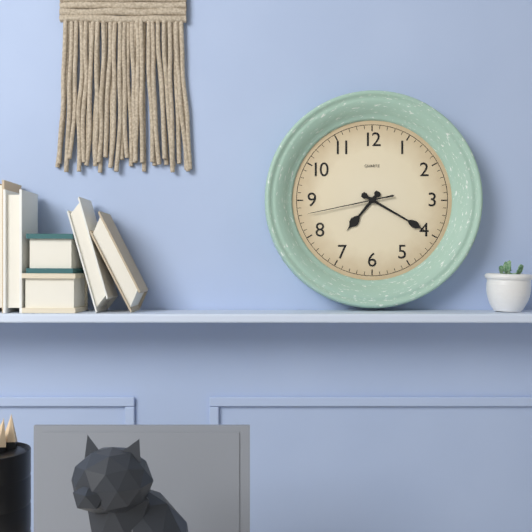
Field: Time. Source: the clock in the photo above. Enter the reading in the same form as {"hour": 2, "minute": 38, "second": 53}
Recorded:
{"hour": 7, "minute": 20, "second": 43}
